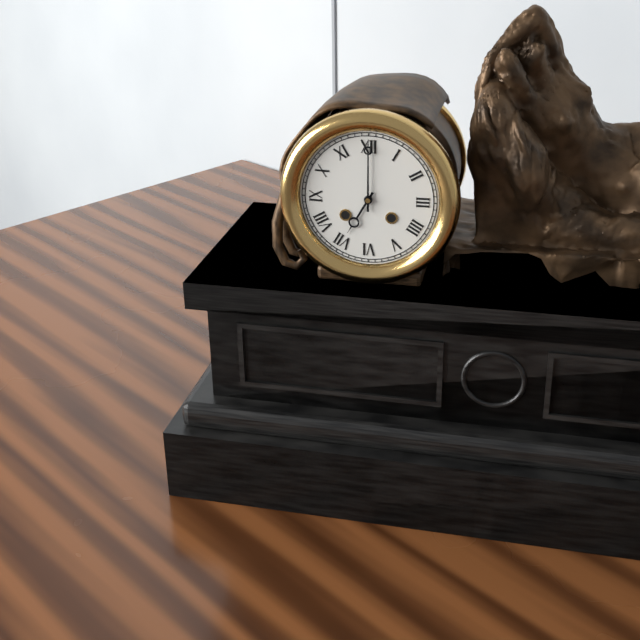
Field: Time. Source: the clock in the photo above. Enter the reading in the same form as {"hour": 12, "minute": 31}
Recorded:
{"hour": 7, "minute": 0}
